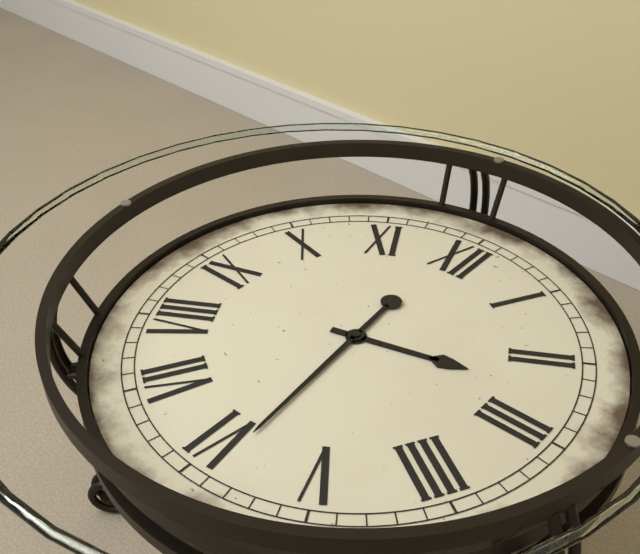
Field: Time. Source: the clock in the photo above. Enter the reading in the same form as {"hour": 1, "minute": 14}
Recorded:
{"hour": 2, "minute": 29}
